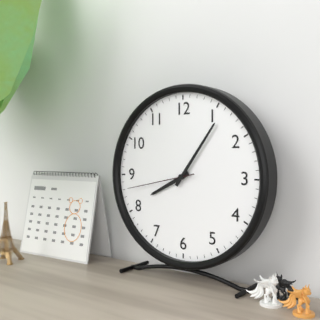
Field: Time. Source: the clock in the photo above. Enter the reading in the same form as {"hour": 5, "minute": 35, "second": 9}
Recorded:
{"hour": 8, "minute": 6, "second": 43}
